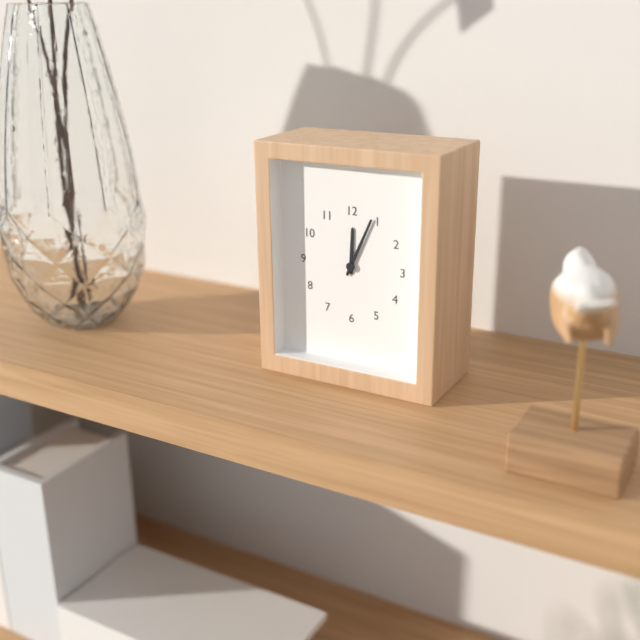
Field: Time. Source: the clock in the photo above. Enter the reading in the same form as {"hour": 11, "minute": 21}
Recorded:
{"hour": 12, "minute": 4}
